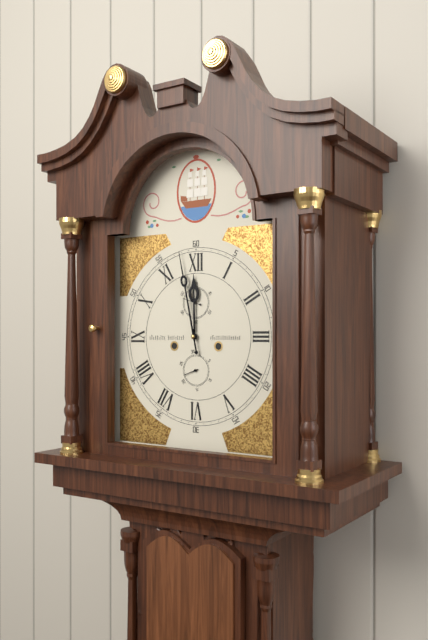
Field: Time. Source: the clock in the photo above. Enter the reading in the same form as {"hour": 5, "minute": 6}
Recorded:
{"hour": 11, "minute": 58}
